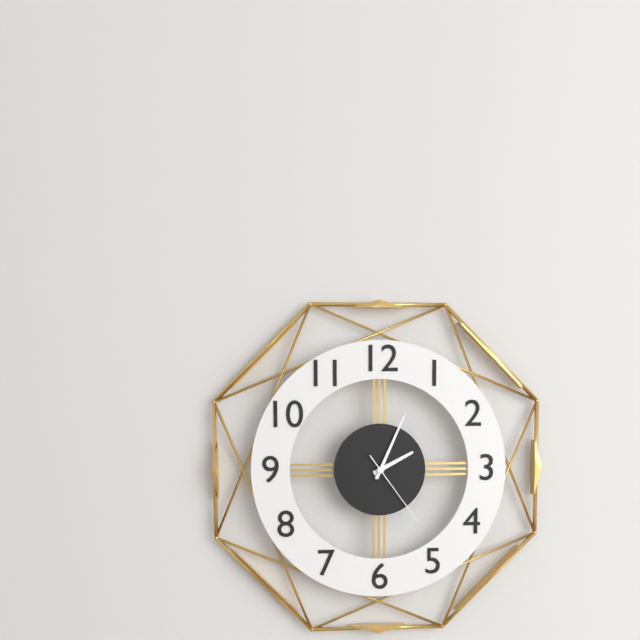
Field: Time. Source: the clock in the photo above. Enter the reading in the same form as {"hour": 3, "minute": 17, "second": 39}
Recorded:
{"hour": 2, "minute": 4, "second": 24}
